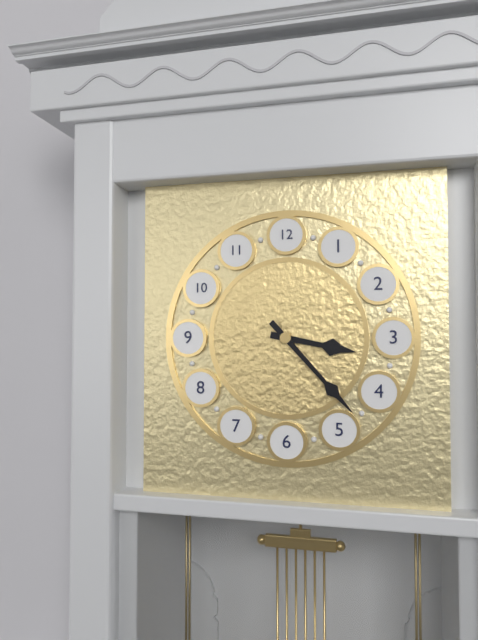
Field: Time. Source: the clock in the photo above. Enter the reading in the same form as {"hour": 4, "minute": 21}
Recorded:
{"hour": 3, "minute": 23}
